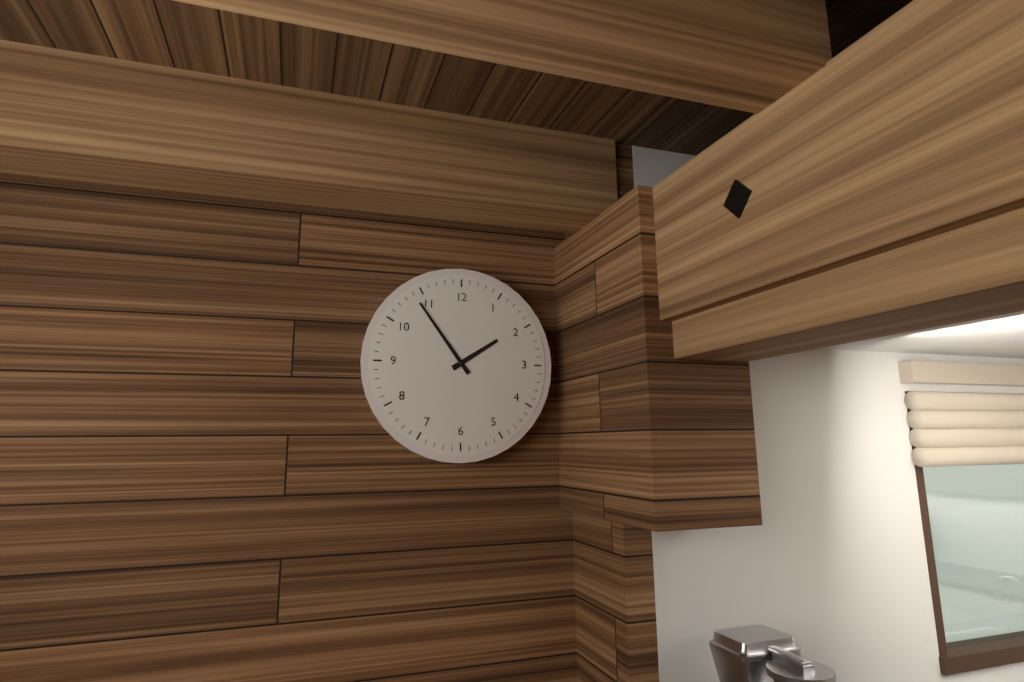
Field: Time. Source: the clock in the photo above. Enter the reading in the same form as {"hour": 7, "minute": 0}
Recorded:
{"hour": 1, "minute": 54}
